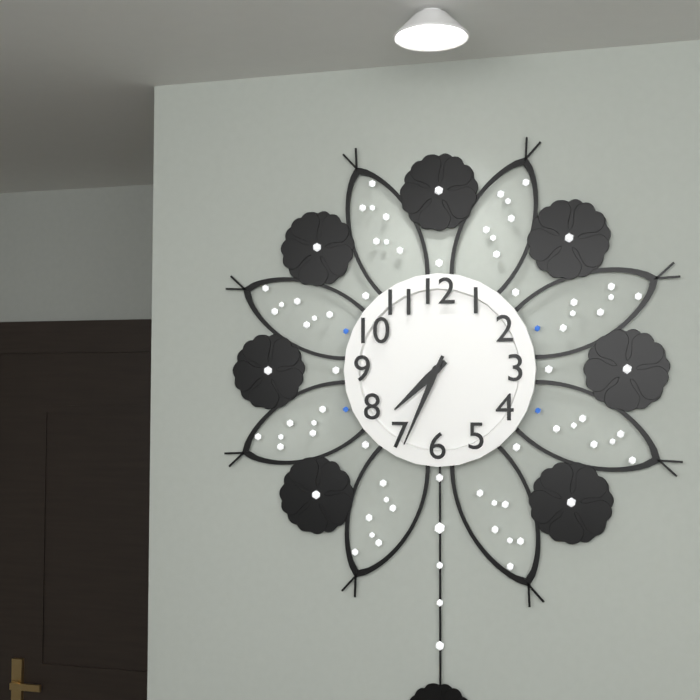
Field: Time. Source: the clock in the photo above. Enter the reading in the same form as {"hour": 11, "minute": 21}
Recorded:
{"hour": 7, "minute": 34}
